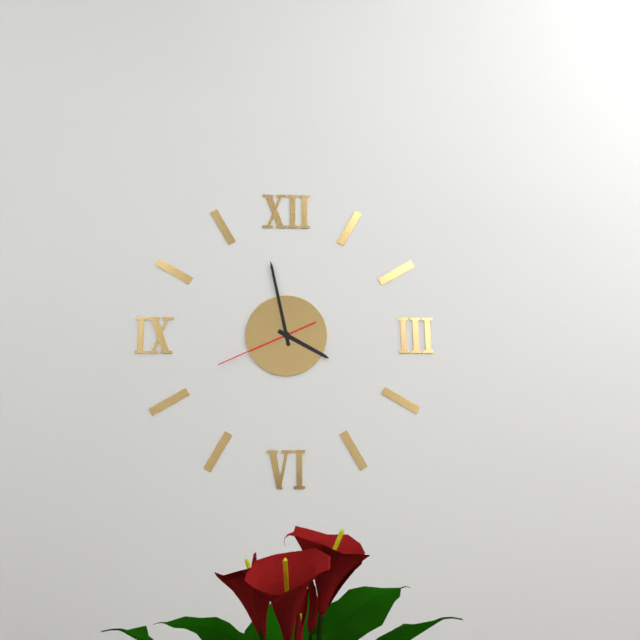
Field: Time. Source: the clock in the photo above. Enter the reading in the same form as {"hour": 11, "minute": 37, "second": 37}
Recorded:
{"hour": 3, "minute": 58, "second": 41}
